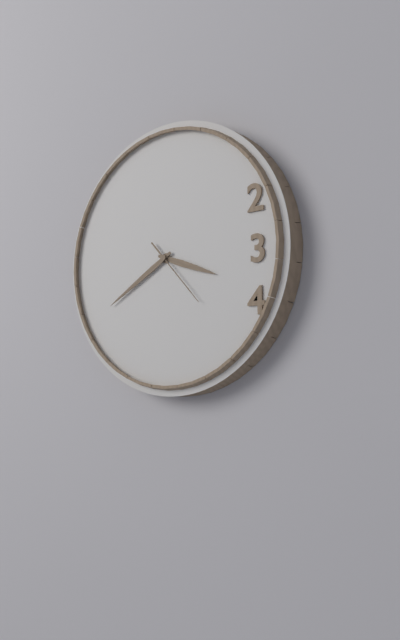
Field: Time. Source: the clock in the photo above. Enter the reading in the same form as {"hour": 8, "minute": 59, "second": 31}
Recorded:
{"hour": 3, "minute": 40, "second": 23}
